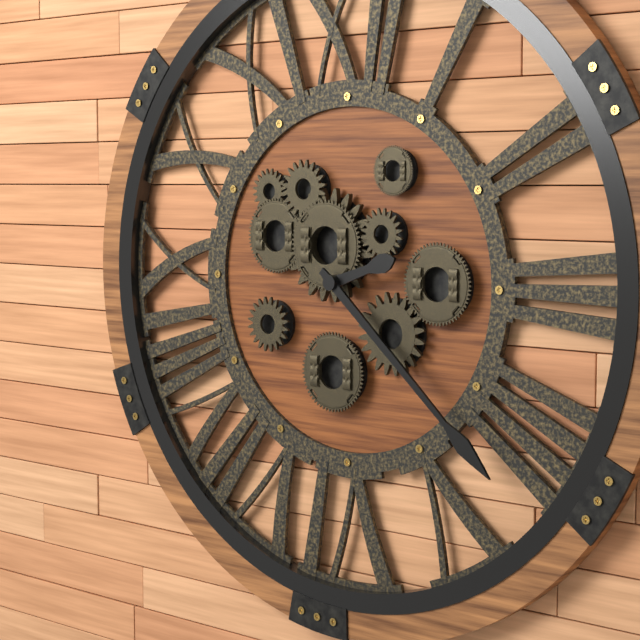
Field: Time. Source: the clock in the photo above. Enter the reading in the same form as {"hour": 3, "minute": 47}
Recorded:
{"hour": 2, "minute": 22}
